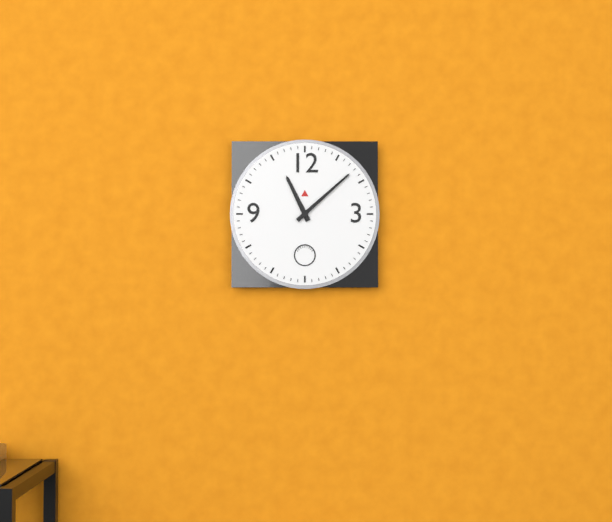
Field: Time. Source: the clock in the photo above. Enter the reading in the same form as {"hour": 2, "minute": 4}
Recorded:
{"hour": 11, "minute": 8}
